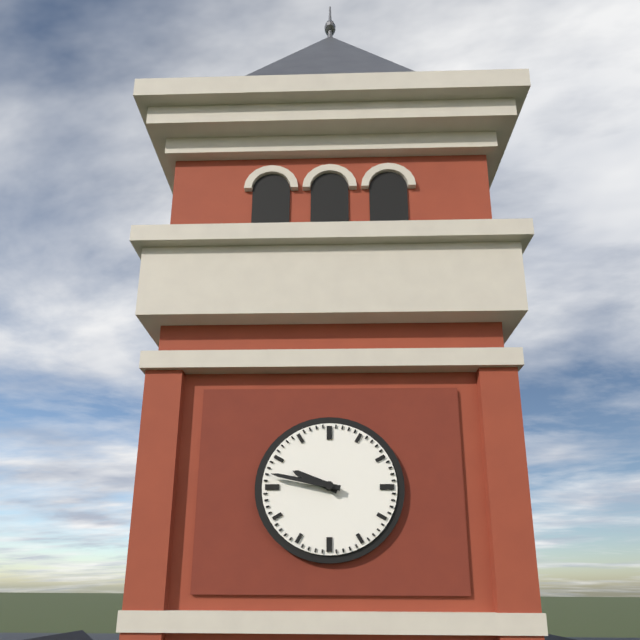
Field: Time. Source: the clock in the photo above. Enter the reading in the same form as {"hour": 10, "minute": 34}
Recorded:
{"hour": 9, "minute": 47}
